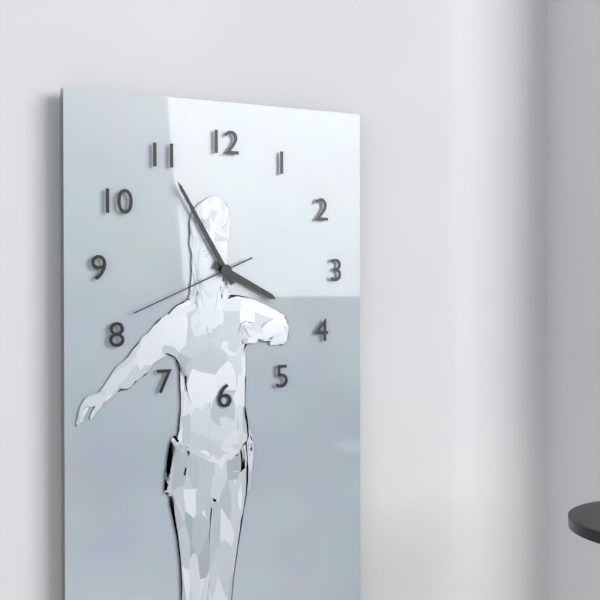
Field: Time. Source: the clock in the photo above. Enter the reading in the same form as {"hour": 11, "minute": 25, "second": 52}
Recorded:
{"hour": 3, "minute": 55, "second": 41}
